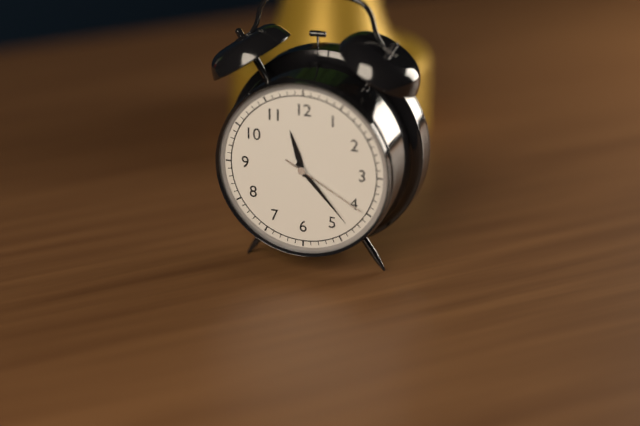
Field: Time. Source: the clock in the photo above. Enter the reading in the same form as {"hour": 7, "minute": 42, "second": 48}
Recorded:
{"hour": 11, "minute": 23, "second": 20}
